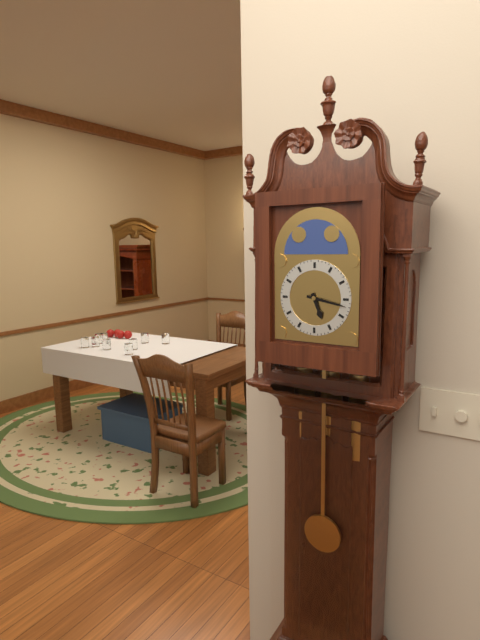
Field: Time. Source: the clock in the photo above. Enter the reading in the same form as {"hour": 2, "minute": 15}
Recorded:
{"hour": 5, "minute": 17}
